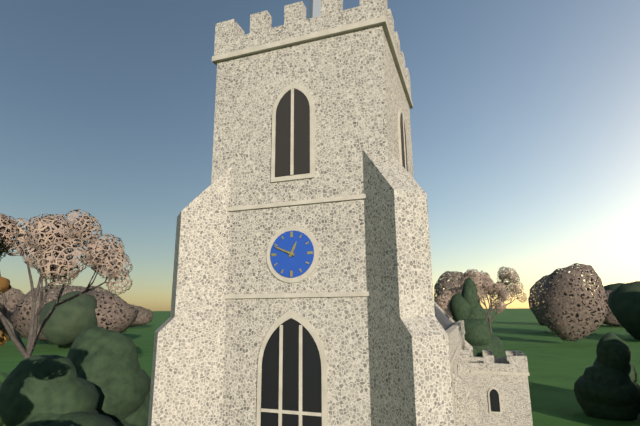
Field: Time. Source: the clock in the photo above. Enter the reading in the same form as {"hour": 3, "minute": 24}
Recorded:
{"hour": 12, "minute": 49}
